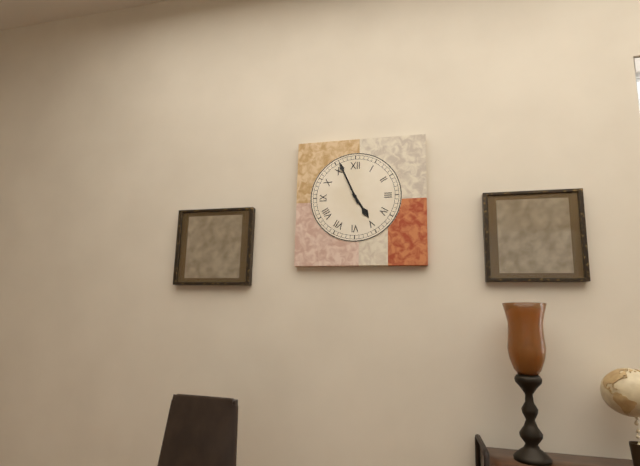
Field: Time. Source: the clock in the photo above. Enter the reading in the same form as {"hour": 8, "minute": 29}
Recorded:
{"hour": 4, "minute": 56}
